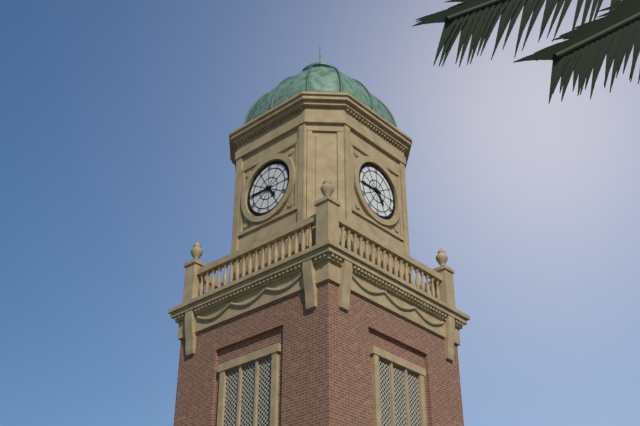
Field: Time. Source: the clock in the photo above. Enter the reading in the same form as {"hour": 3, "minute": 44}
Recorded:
{"hour": 4, "minute": 45}
